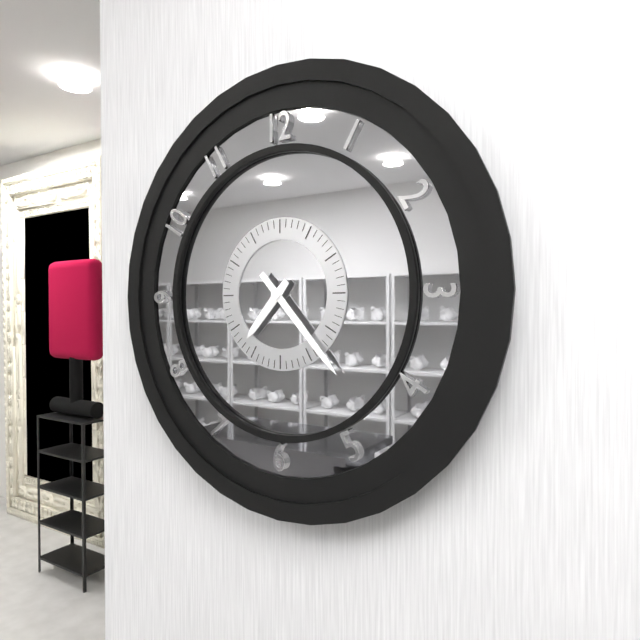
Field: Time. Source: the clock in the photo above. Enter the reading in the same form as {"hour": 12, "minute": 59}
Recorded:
{"hour": 7, "minute": 23}
